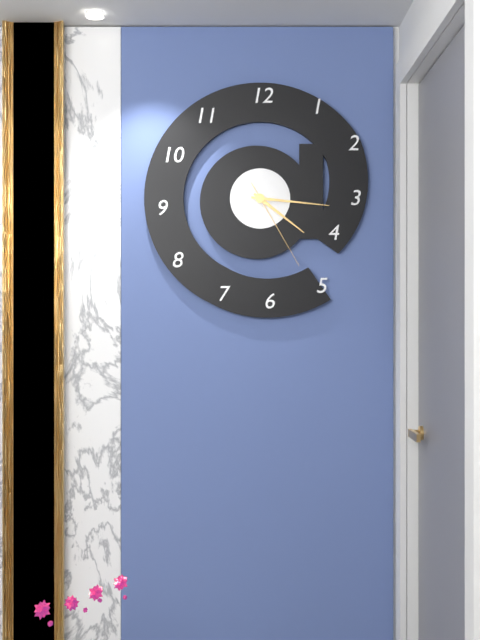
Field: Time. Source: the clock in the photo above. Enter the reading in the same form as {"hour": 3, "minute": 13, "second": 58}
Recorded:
{"hour": 4, "minute": 16, "second": 25}
